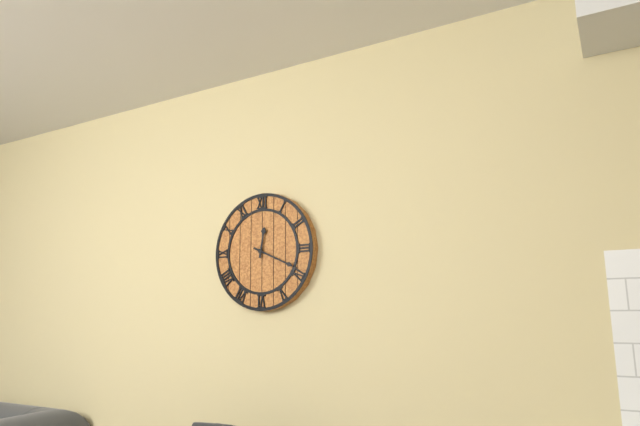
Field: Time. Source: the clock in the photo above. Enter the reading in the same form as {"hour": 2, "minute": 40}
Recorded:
{"hour": 12, "minute": 19}
